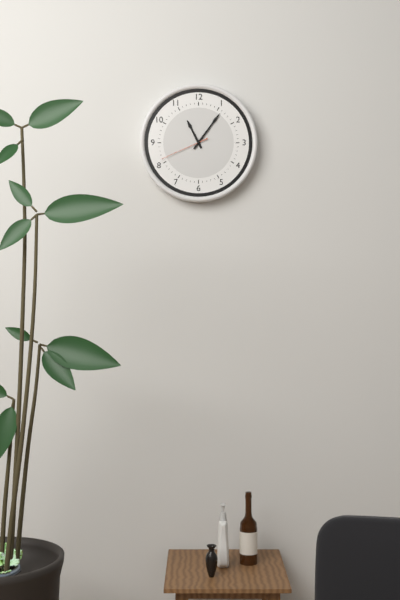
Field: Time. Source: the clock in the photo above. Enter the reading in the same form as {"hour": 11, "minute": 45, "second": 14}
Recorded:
{"hour": 11, "minute": 6, "second": 41}
